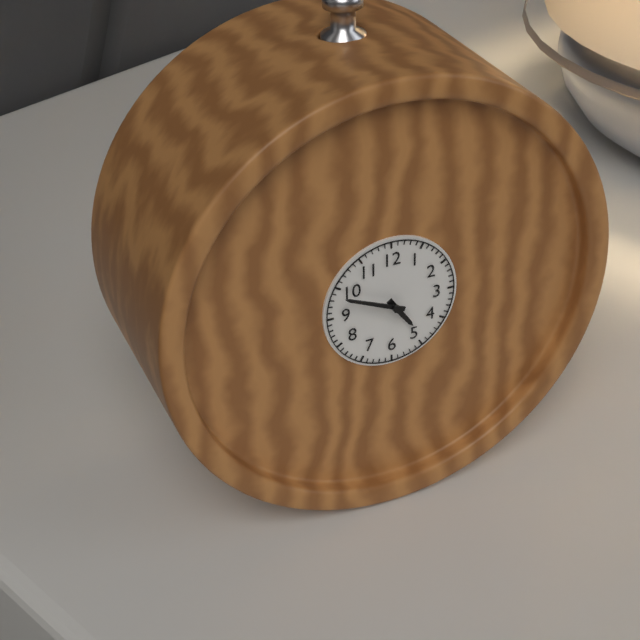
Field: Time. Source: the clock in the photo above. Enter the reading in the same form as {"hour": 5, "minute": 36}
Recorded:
{"hour": 4, "minute": 49}
